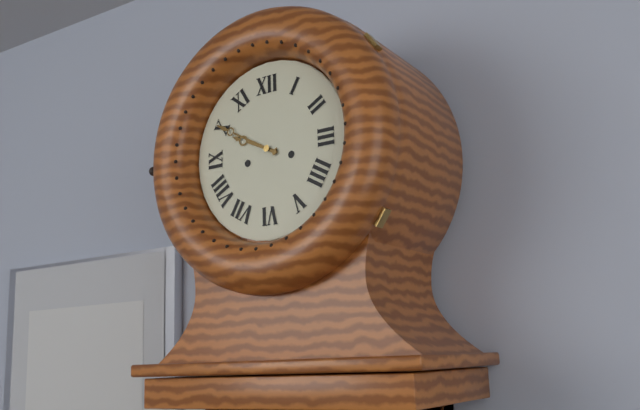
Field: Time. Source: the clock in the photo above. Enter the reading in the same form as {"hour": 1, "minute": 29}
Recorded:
{"hour": 9, "minute": 50}
